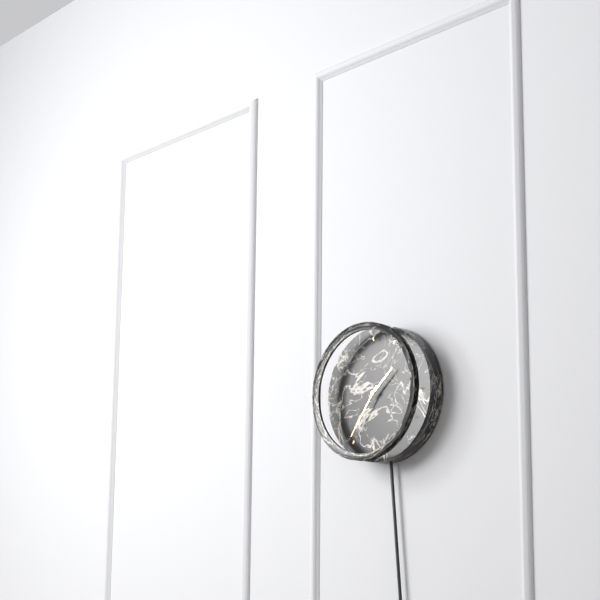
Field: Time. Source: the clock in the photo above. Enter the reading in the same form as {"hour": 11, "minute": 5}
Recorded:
{"hour": 1, "minute": 36}
